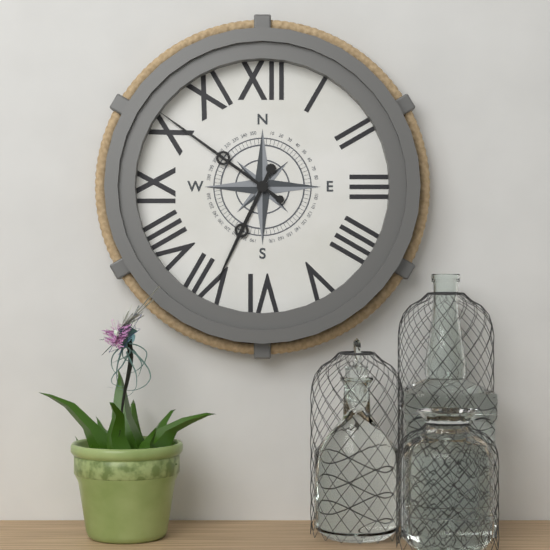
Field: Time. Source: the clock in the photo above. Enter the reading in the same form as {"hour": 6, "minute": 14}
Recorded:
{"hour": 6, "minute": 51}
